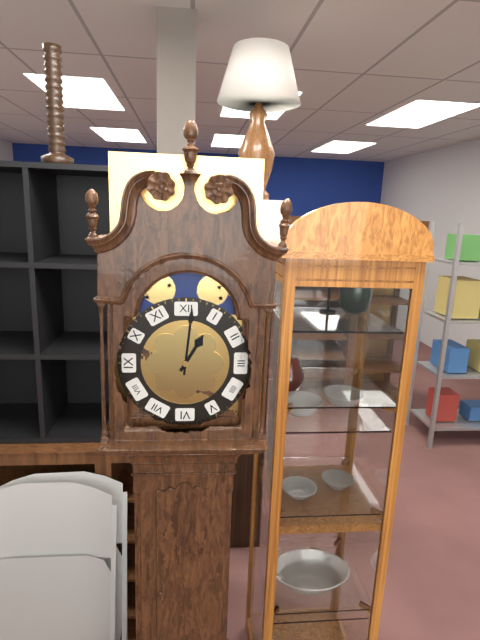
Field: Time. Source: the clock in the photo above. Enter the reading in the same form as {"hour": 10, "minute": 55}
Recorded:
{"hour": 1, "minute": 1}
